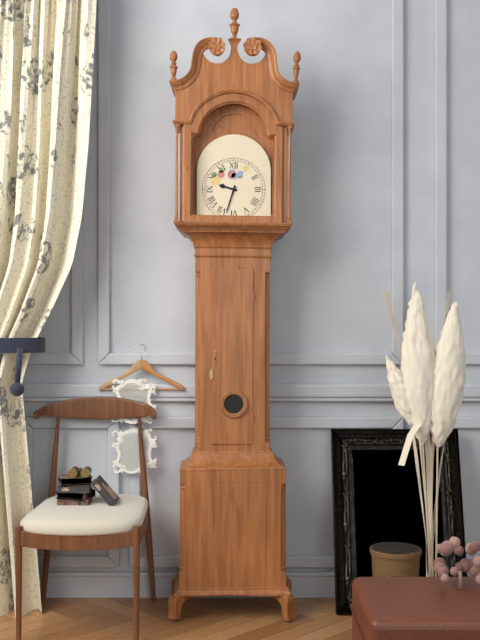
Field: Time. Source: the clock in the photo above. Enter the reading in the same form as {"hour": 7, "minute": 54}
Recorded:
{"hour": 9, "minute": 33}
